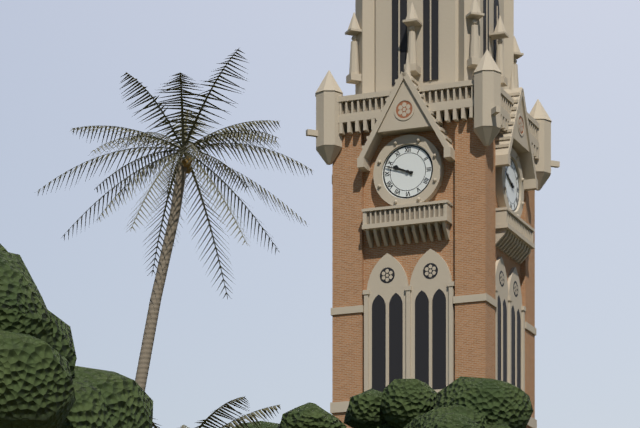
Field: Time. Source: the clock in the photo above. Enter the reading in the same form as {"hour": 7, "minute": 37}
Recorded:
{"hour": 9, "minute": 48}
